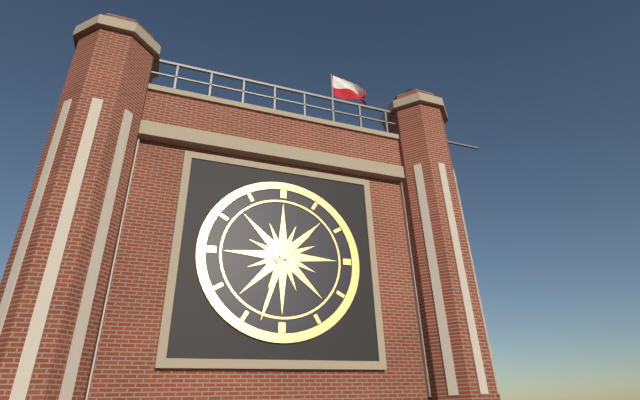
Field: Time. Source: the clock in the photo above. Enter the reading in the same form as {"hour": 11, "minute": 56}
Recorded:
{"hour": 1, "minute": 33}
